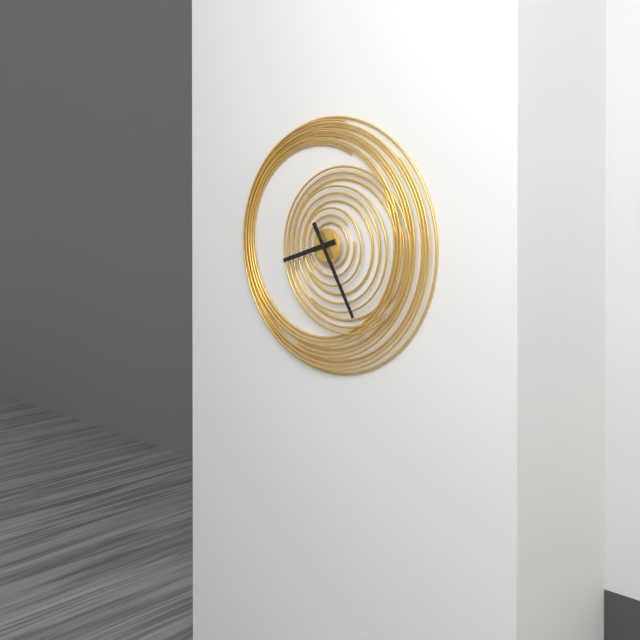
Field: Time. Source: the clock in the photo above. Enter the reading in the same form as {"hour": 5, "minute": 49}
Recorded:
{"hour": 8, "minute": 25}
